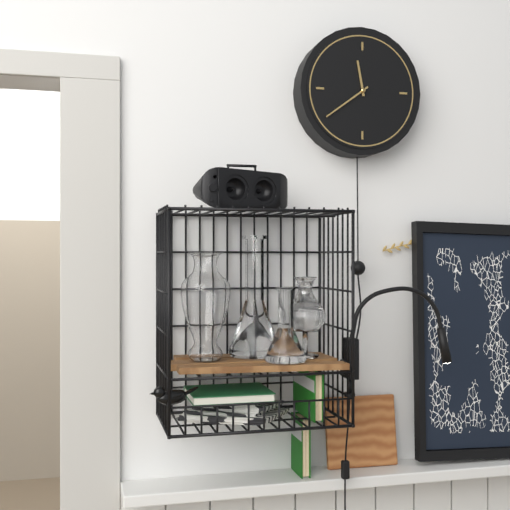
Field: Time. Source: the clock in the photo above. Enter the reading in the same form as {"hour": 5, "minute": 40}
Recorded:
{"hour": 11, "minute": 39}
